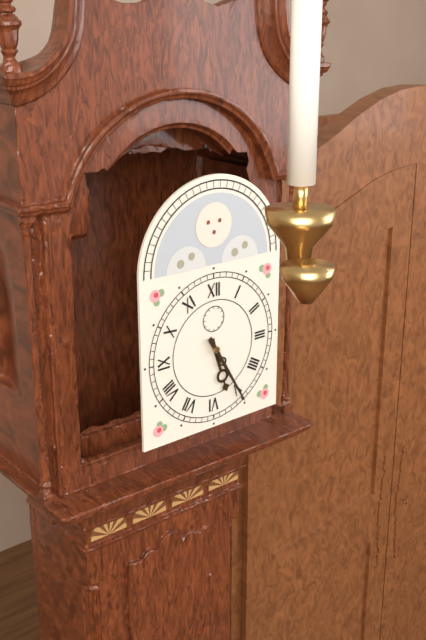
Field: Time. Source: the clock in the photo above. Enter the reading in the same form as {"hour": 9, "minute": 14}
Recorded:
{"hour": 5, "minute": 25}
